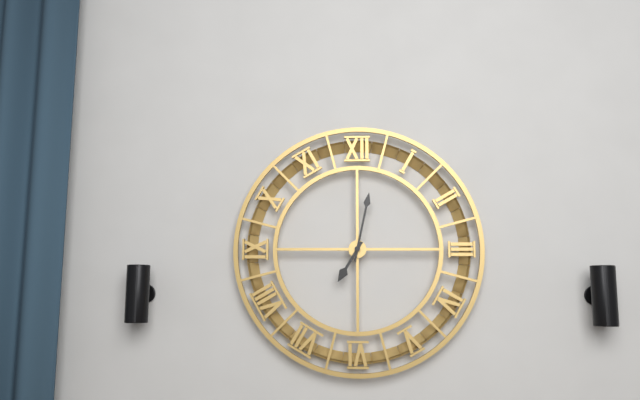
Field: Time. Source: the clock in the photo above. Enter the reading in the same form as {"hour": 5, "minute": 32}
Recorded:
{"hour": 7, "minute": 2}
